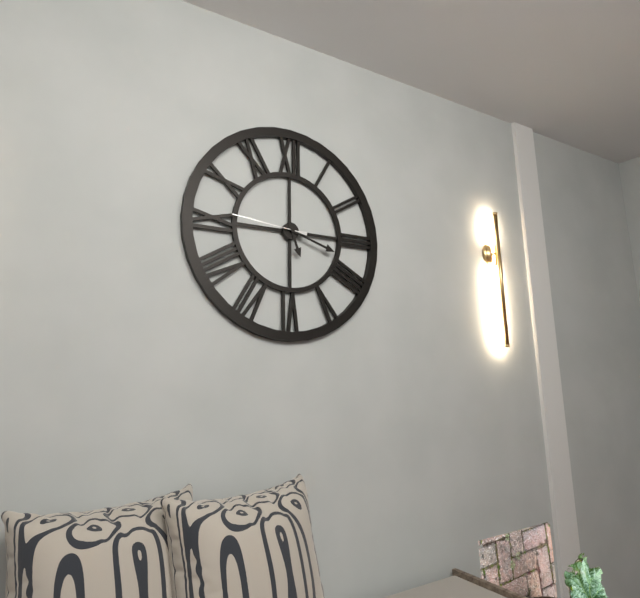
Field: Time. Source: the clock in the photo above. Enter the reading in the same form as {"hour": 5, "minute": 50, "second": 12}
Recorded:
{"hour": 5, "minute": 18, "second": 46}
